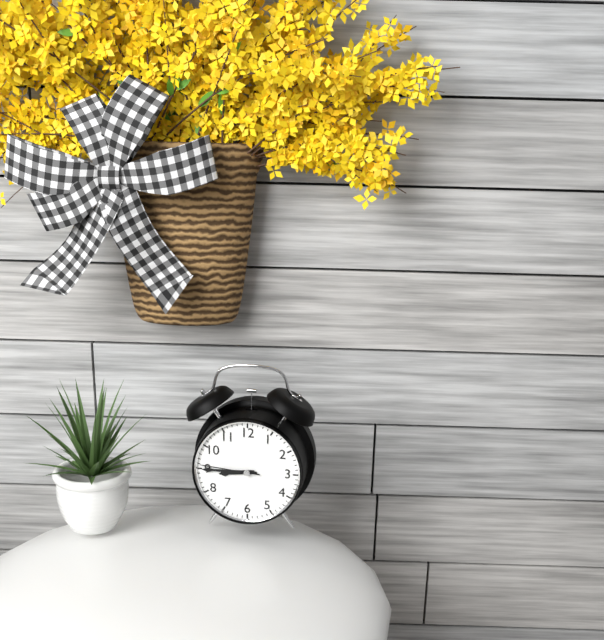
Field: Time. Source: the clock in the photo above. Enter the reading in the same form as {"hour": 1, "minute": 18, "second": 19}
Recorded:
{"hour": 8, "minute": 45, "second": 46}
